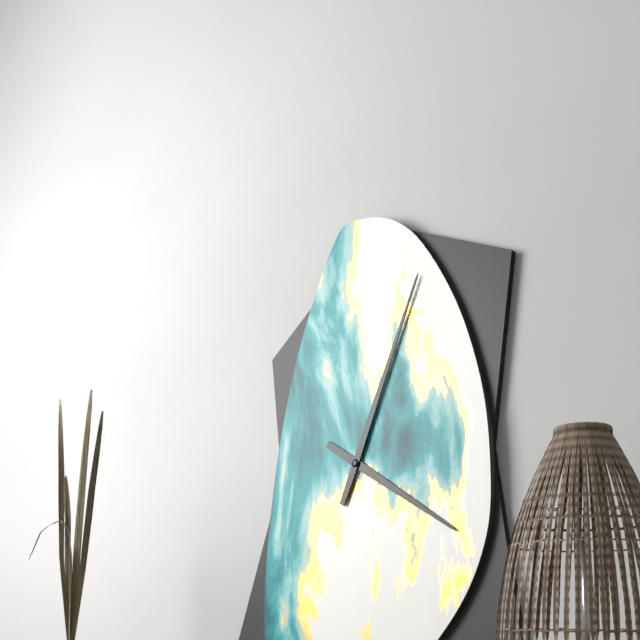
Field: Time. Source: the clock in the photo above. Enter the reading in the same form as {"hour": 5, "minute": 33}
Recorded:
{"hour": 4, "minute": 4}
